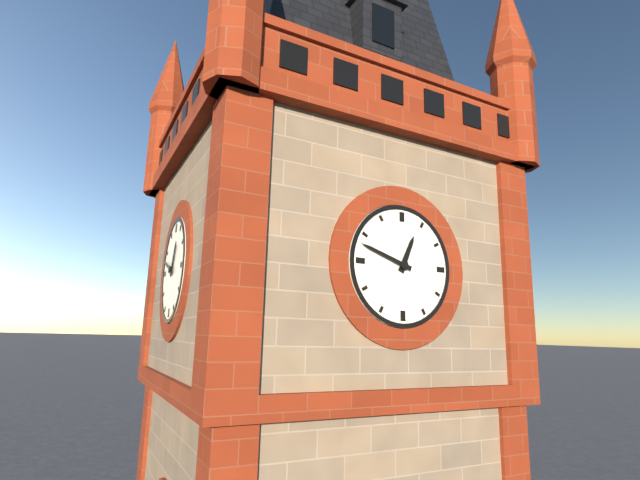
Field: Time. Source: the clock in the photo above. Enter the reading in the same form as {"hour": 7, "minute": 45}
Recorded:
{"hour": 12, "minute": 48}
